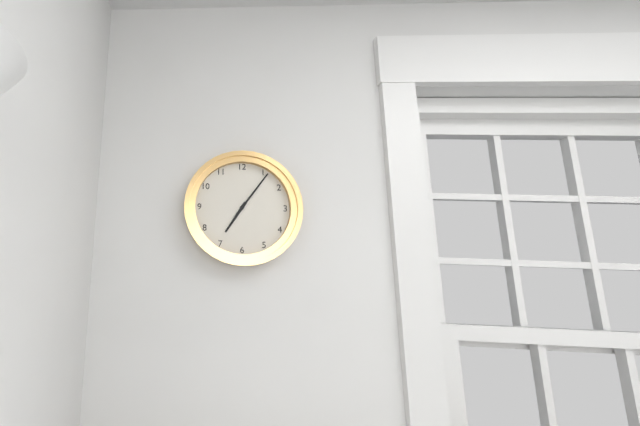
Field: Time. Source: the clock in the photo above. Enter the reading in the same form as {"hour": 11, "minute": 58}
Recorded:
{"hour": 7, "minute": 6}
